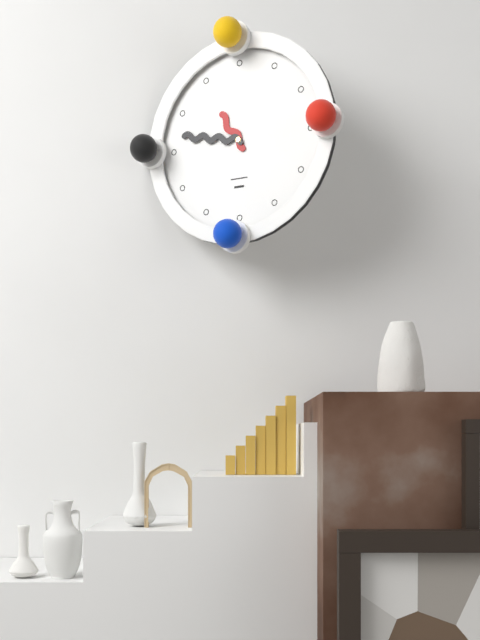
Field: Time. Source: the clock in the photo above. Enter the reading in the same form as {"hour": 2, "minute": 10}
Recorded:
{"hour": 10, "minute": 47}
